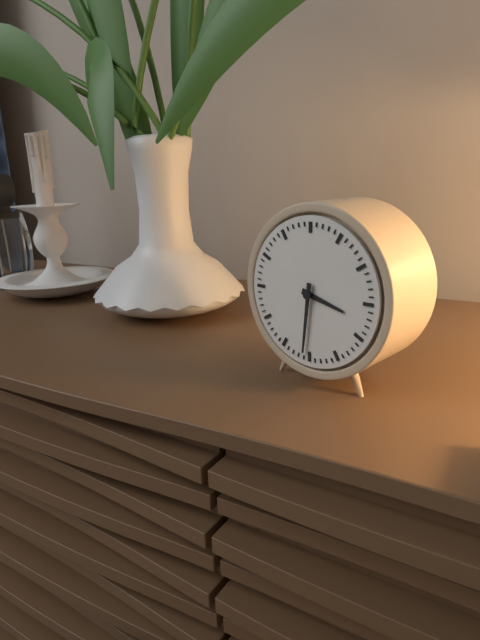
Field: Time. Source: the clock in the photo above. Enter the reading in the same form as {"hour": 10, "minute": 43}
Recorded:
{"hour": 3, "minute": 31}
